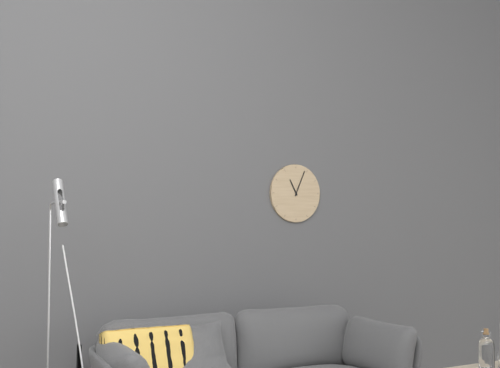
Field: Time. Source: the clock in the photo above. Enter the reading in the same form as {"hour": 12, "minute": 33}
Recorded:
{"hour": 11, "minute": 4}
